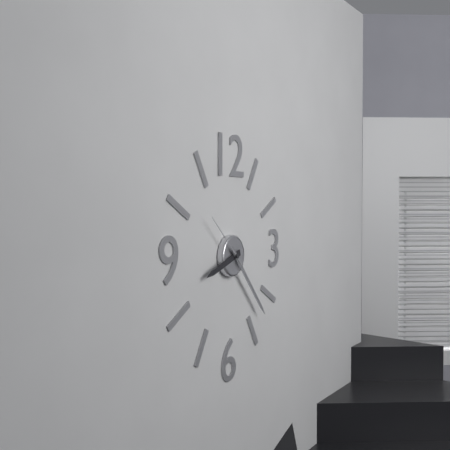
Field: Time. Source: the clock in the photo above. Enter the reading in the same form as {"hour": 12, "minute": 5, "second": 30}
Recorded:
{"hour": 8, "minute": 23, "second": 52}
